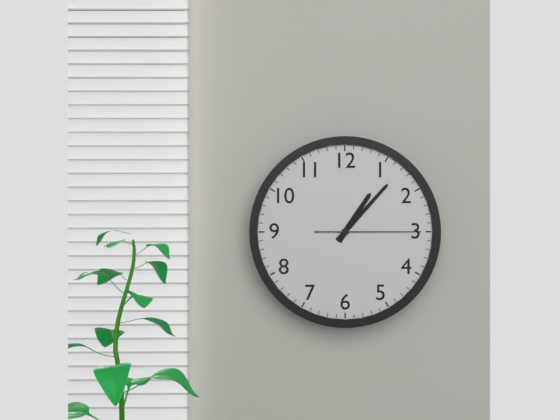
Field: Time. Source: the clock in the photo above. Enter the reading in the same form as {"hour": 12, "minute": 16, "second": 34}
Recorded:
{"hour": 1, "minute": 7, "second": 15}
